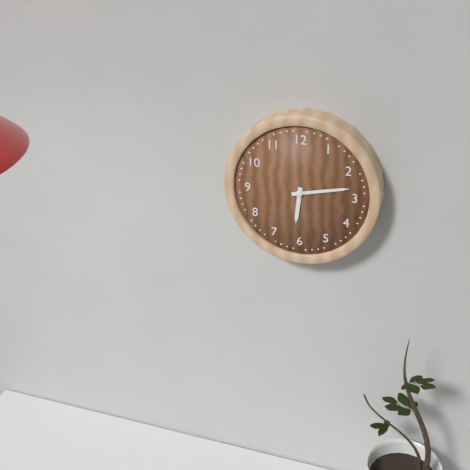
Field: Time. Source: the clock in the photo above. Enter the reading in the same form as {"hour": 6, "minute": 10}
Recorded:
{"hour": 6, "minute": 13}
